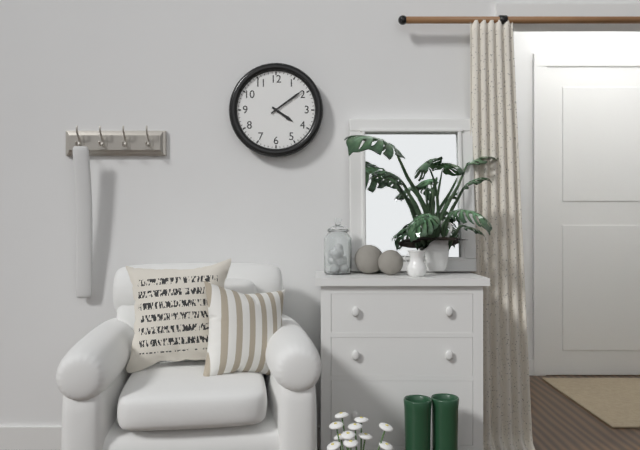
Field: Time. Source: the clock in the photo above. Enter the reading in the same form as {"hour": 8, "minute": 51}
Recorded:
{"hour": 4, "minute": 9}
